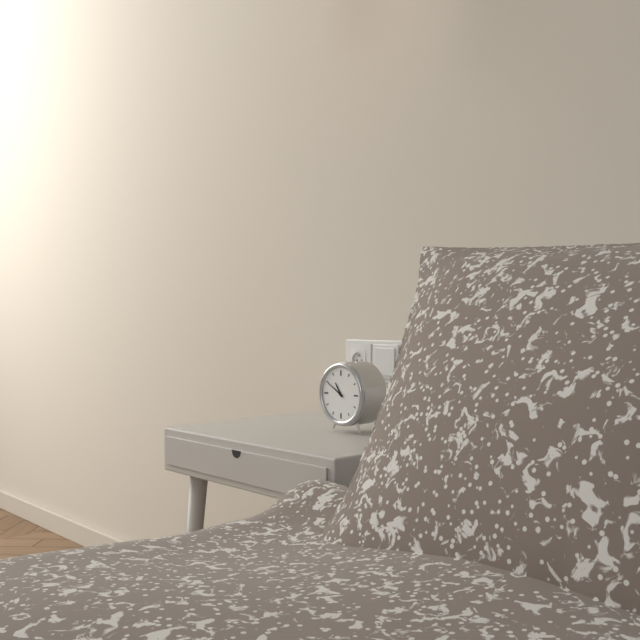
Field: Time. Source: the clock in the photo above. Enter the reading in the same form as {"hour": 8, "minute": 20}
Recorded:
{"hour": 10, "minute": 50}
